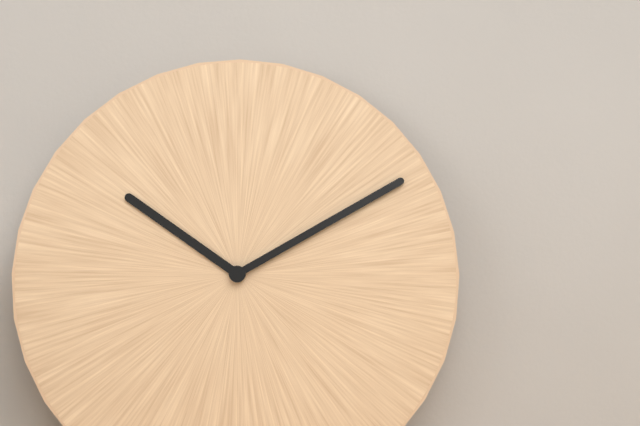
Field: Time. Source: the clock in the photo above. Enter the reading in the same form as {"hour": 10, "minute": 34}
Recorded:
{"hour": 10, "minute": 10}
